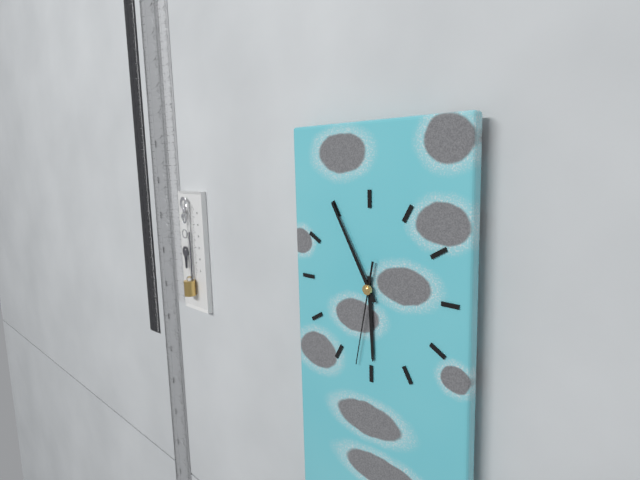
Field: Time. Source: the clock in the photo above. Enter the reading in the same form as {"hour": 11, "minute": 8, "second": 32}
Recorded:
{"hour": 5, "minute": 55, "second": 32}
